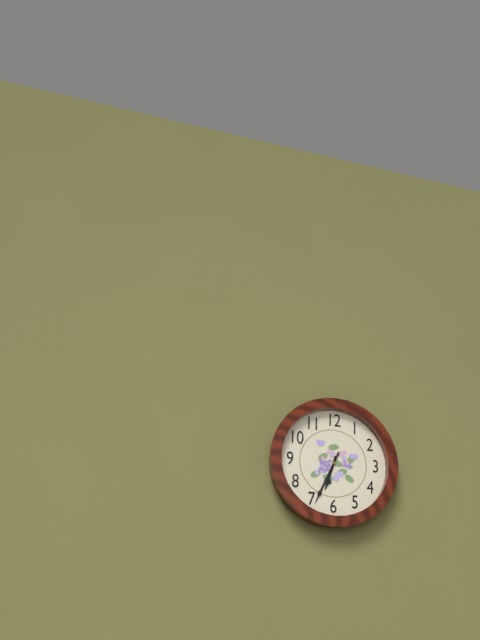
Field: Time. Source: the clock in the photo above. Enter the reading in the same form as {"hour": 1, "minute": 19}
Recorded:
{"hour": 6, "minute": 34}
